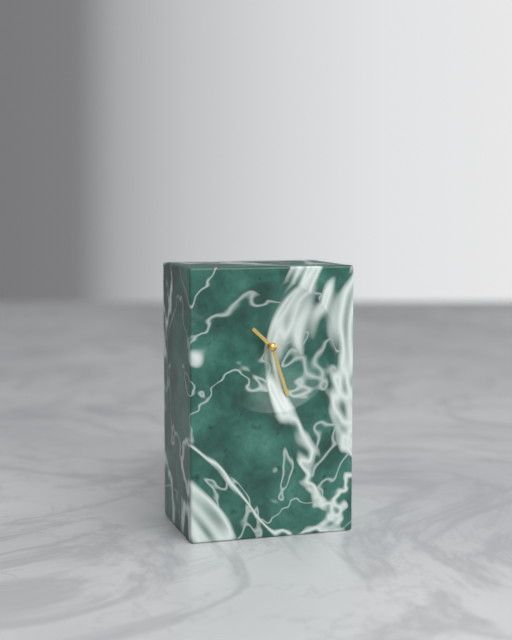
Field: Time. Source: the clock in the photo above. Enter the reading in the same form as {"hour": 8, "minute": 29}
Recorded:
{"hour": 10, "minute": 27}
